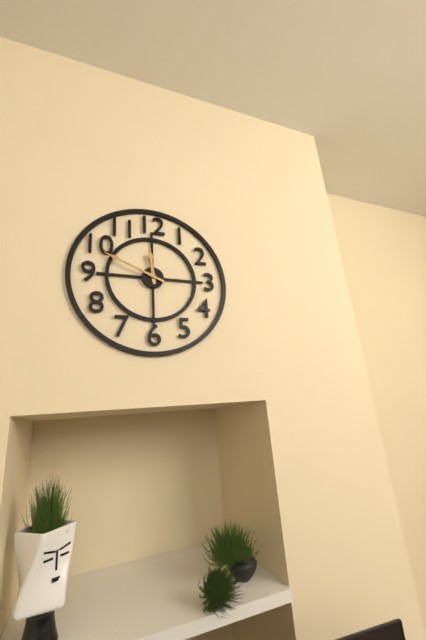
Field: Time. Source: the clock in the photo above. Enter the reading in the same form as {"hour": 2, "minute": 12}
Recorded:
{"hour": 11, "minute": 49}
